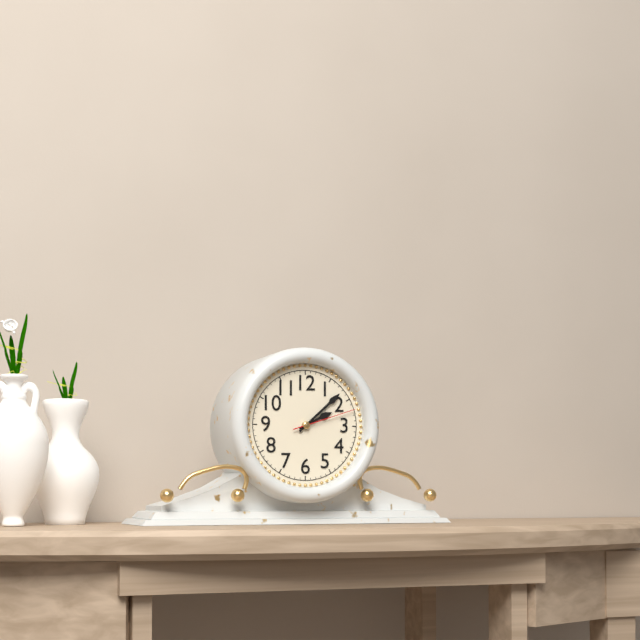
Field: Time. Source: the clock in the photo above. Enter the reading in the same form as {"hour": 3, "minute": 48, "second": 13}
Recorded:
{"hour": 2, "minute": 8, "second": 12}
